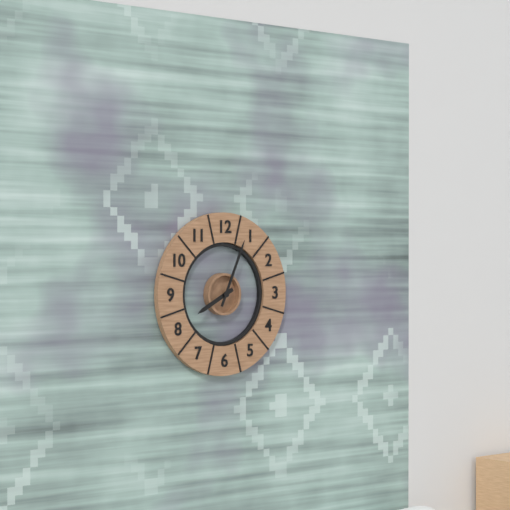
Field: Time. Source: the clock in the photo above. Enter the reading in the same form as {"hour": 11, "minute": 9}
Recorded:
{"hour": 8, "minute": 4}
